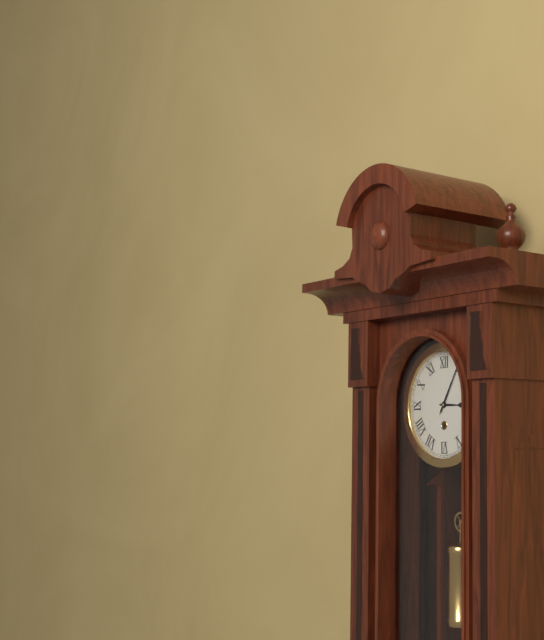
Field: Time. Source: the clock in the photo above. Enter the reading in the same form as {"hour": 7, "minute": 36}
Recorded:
{"hour": 3, "minute": 5}
